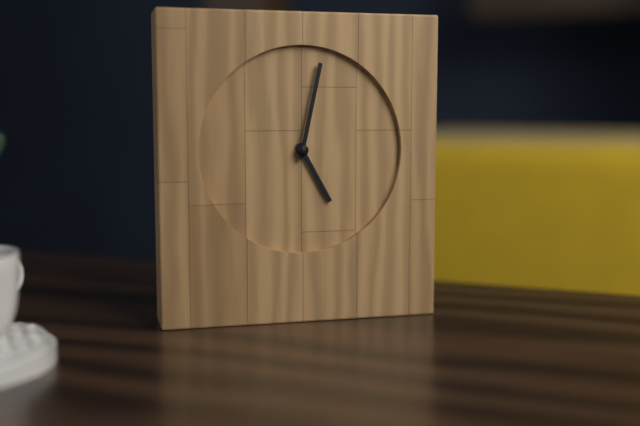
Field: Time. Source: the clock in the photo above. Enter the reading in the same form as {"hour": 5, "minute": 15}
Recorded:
{"hour": 5, "minute": 2}
